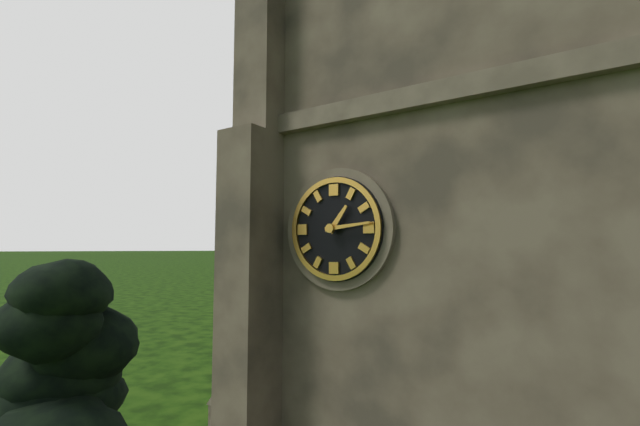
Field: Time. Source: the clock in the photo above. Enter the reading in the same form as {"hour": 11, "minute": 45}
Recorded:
{"hour": 1, "minute": 14}
